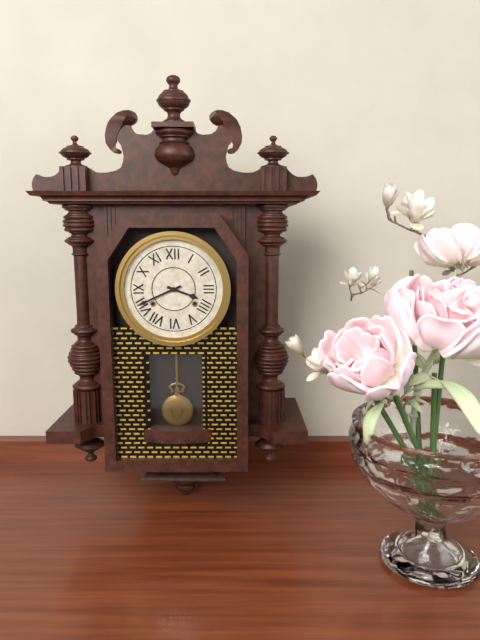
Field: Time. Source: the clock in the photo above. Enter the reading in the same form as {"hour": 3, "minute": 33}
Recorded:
{"hour": 3, "minute": 41}
